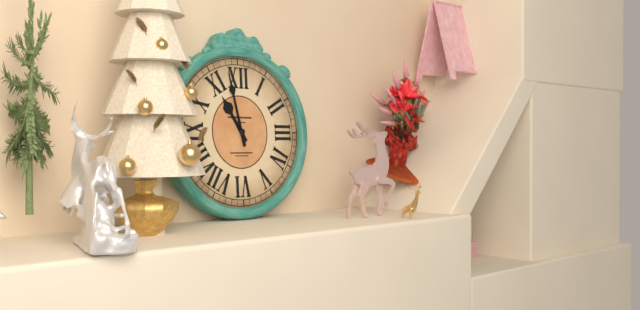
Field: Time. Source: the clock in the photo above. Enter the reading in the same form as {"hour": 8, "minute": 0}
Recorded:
{"hour": 10, "minute": 58}
